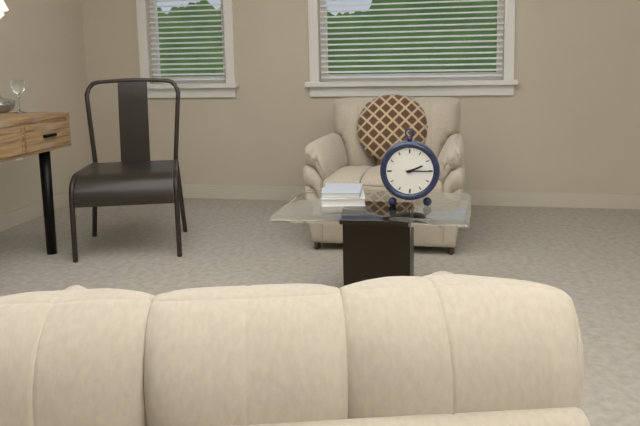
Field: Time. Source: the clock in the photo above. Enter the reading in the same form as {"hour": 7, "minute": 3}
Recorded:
{"hour": 2, "minute": 15}
